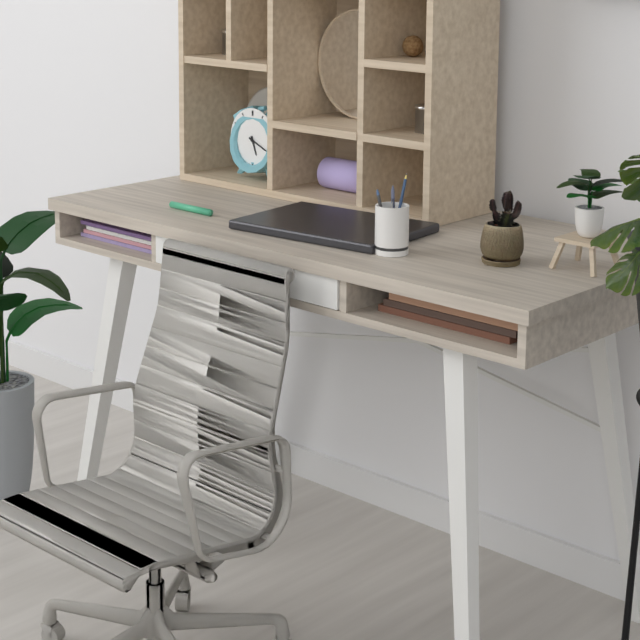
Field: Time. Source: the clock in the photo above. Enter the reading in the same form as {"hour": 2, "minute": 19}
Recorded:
{"hour": 5, "minute": 19}
